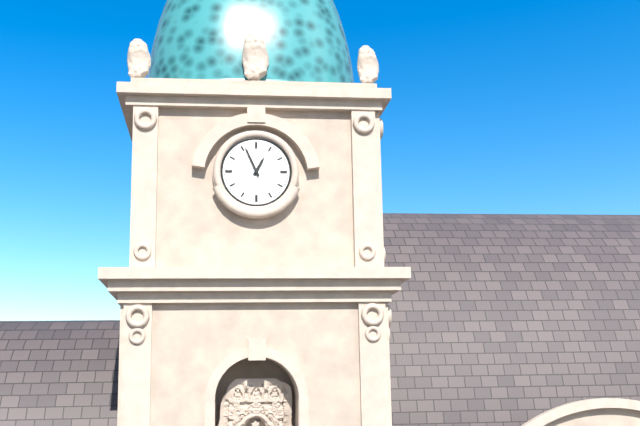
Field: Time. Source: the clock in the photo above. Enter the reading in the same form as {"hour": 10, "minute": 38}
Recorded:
{"hour": 12, "minute": 56}
